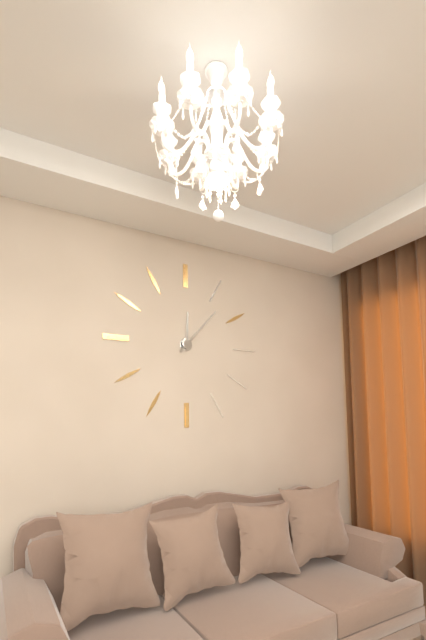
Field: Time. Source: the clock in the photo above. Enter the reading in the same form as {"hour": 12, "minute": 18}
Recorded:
{"hour": 12, "minute": 7}
